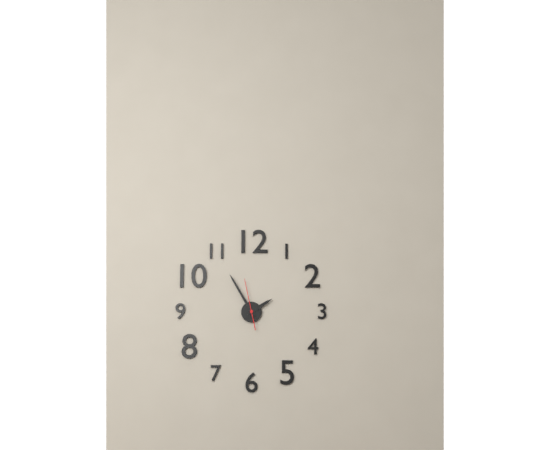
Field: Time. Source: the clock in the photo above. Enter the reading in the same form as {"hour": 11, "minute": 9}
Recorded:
{"hour": 1, "minute": 55}
